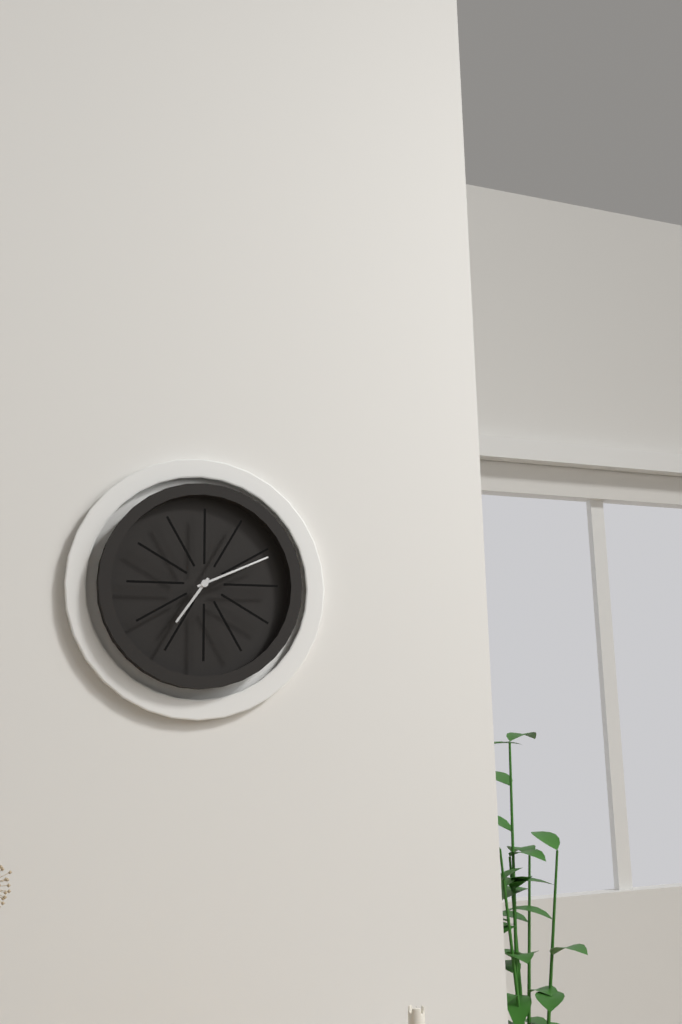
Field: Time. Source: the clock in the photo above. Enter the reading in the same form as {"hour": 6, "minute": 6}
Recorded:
{"hour": 7, "minute": 11}
